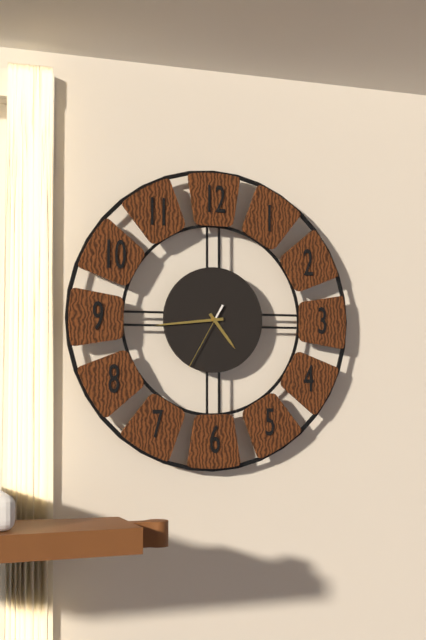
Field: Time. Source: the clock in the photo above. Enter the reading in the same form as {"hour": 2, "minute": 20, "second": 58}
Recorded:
{"hour": 4, "minute": 44, "second": 35}
